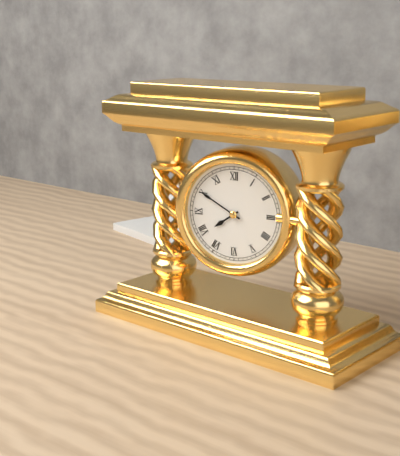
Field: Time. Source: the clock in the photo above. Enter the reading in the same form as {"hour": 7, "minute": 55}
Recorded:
{"hour": 7, "minute": 50}
